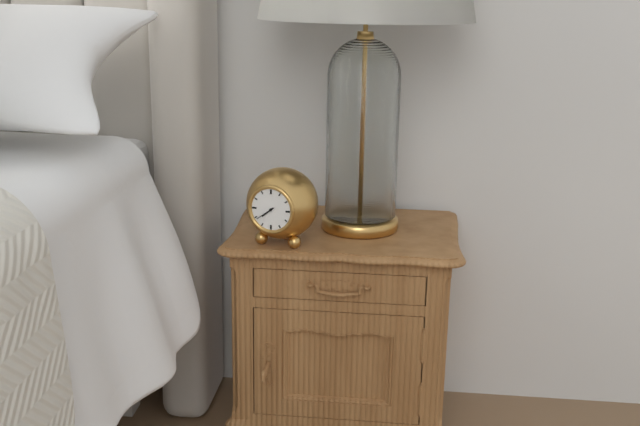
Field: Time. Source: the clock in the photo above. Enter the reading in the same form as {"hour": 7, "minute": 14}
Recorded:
{"hour": 7, "minute": 39}
